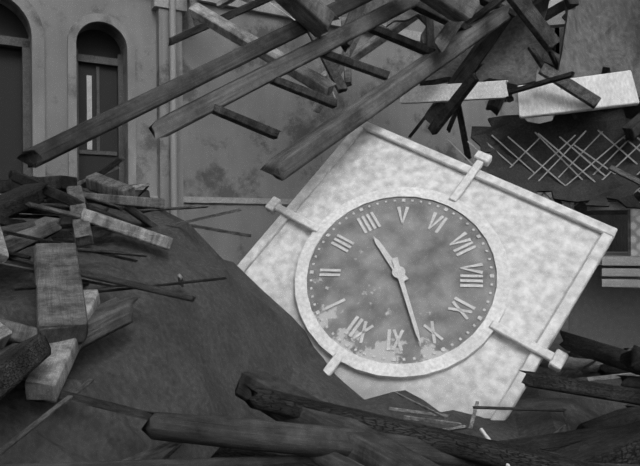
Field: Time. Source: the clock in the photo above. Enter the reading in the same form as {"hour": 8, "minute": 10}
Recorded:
{"hour": 3, "minute": 52}
